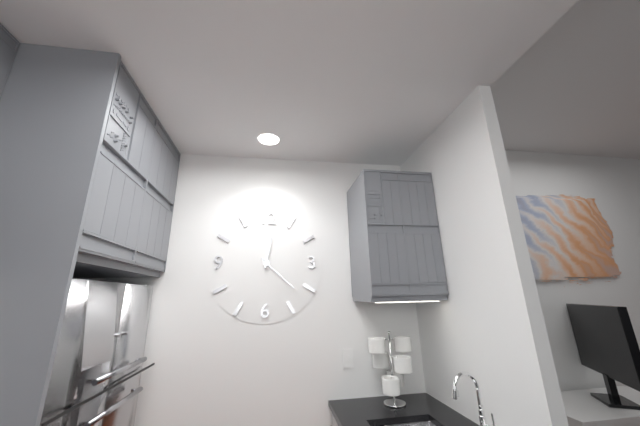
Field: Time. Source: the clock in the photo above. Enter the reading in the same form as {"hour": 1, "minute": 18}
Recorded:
{"hour": 12, "minute": 22}
